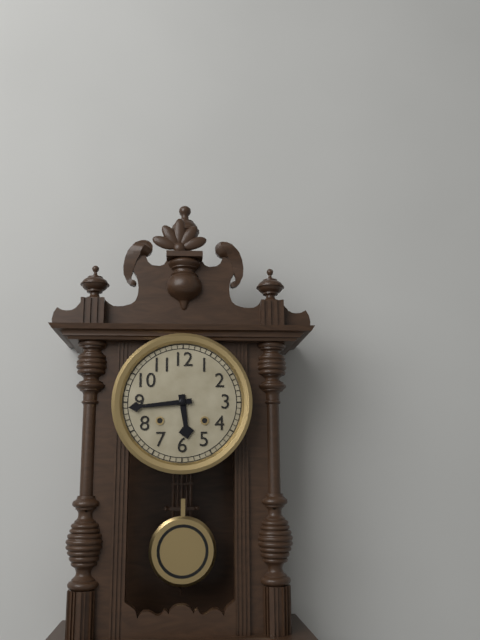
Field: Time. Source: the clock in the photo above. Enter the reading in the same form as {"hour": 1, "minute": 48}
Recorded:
{"hour": 5, "minute": 44}
